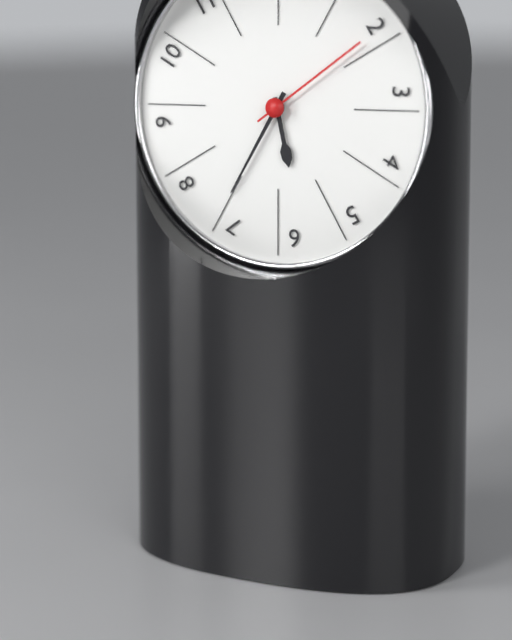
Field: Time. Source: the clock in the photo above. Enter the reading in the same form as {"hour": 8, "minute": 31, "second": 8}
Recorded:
{"hour": 5, "minute": 35, "second": 9}
